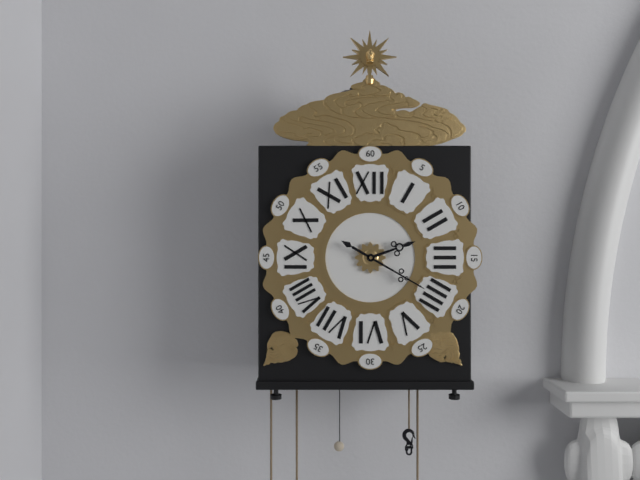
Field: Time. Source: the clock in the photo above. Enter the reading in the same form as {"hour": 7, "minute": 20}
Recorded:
{"hour": 2, "minute": 20}
